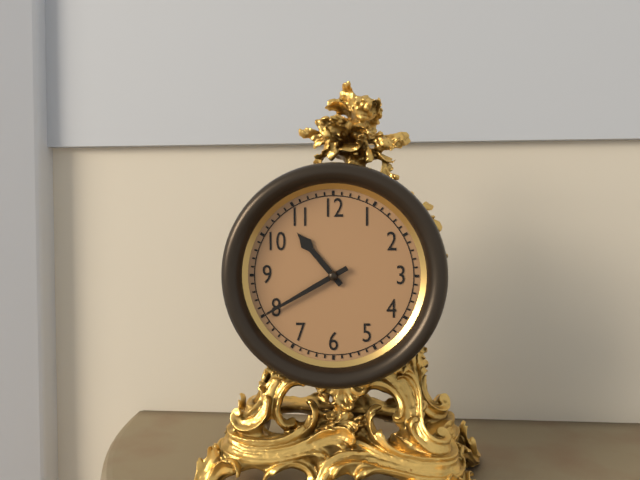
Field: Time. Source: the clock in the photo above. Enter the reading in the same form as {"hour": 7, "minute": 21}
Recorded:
{"hour": 10, "minute": 40}
